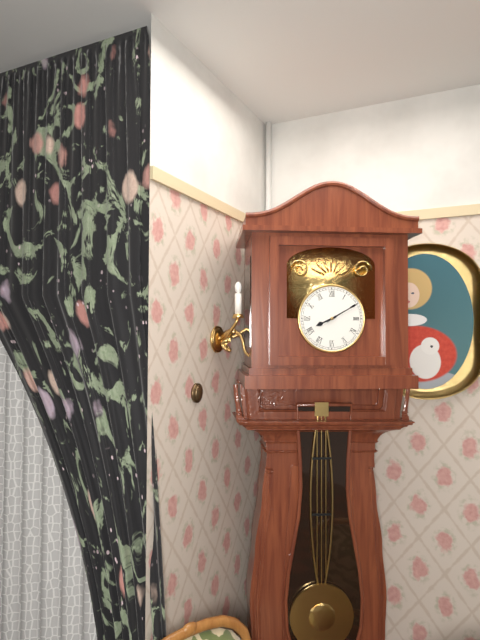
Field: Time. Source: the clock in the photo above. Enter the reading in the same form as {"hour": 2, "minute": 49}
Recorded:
{"hour": 8, "minute": 10}
